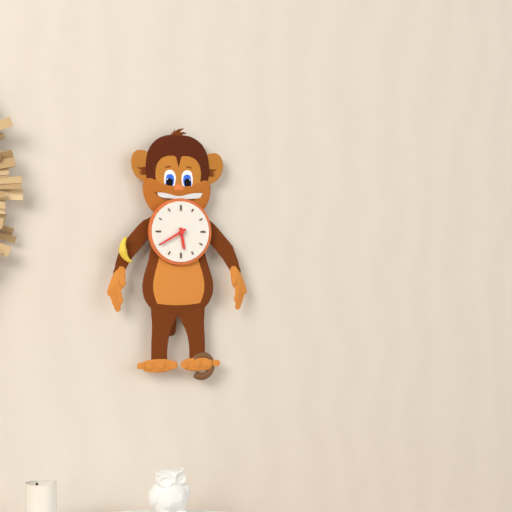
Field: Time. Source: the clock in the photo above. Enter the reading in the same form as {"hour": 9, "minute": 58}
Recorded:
{"hour": 5, "minute": 40}
